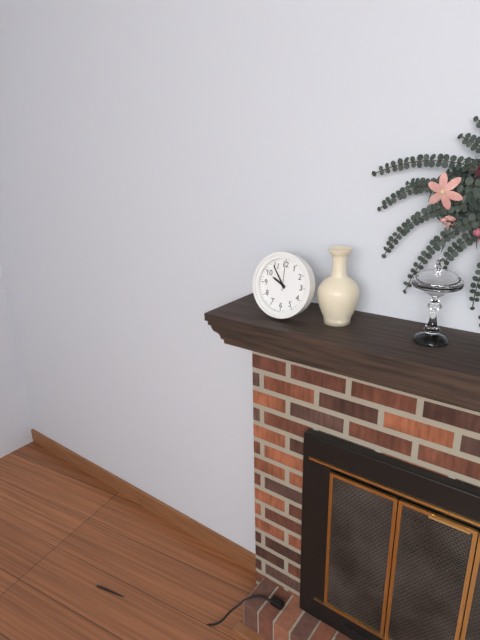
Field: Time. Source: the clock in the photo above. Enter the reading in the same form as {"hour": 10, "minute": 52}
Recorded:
{"hour": 9, "minute": 54}
